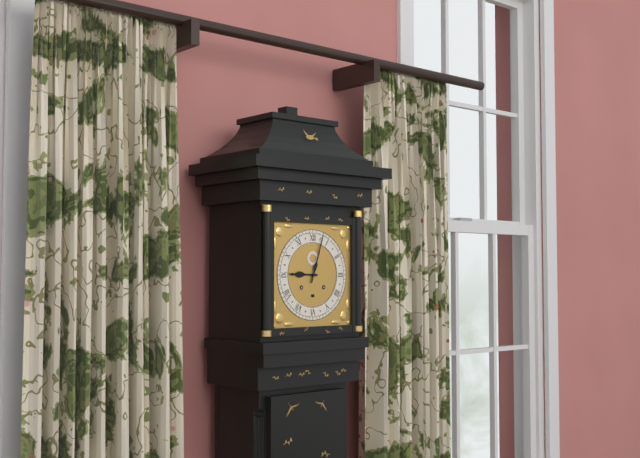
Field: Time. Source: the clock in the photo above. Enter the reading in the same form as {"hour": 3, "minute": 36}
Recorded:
{"hour": 9, "minute": 3}
